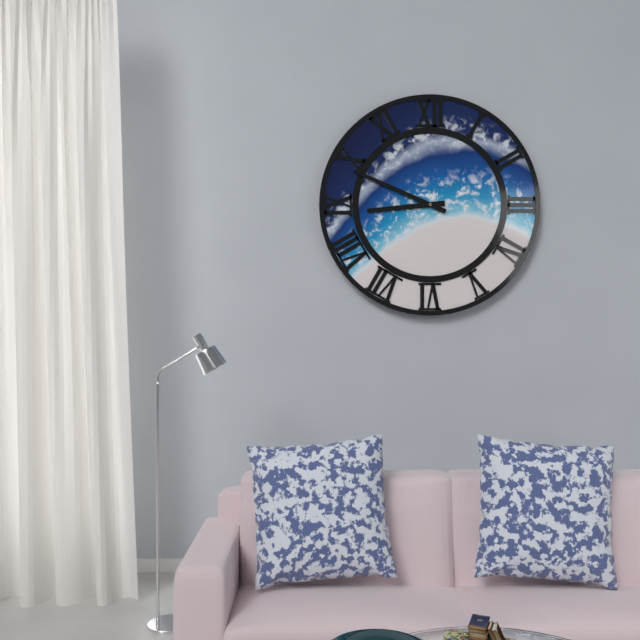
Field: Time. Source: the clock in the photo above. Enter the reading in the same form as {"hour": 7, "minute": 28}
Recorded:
{"hour": 8, "minute": 49}
